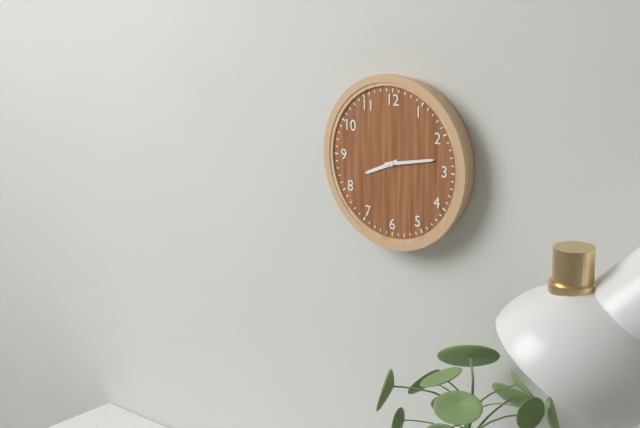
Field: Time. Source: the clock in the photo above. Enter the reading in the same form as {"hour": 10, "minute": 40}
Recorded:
{"hour": 8, "minute": 13}
